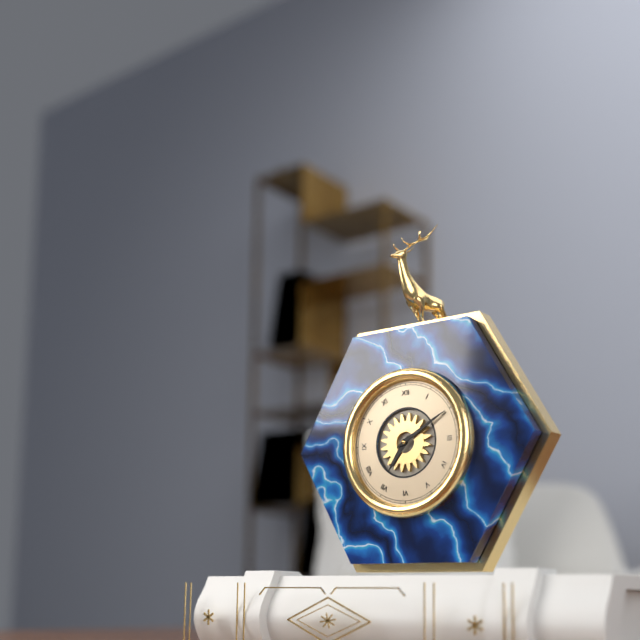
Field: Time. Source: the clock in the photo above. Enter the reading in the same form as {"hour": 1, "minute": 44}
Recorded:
{"hour": 7, "minute": 10}
